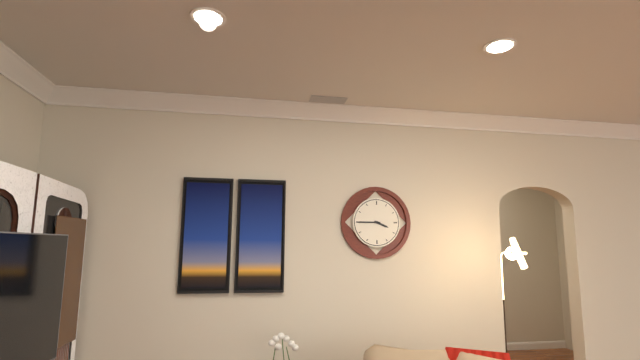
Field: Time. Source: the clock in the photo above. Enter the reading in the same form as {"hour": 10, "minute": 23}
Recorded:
{"hour": 3, "minute": 45}
